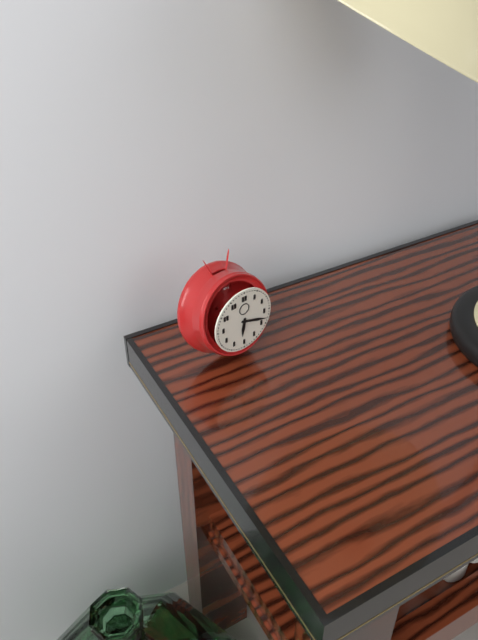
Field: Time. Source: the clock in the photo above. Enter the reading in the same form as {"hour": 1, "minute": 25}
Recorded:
{"hour": 6, "minute": 18}
